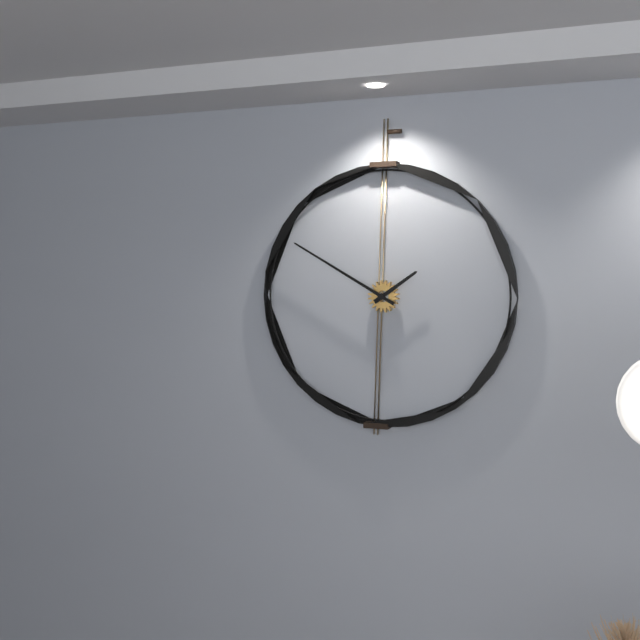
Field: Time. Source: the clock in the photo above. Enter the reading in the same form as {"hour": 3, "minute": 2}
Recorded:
{"hour": 1, "minute": 50}
